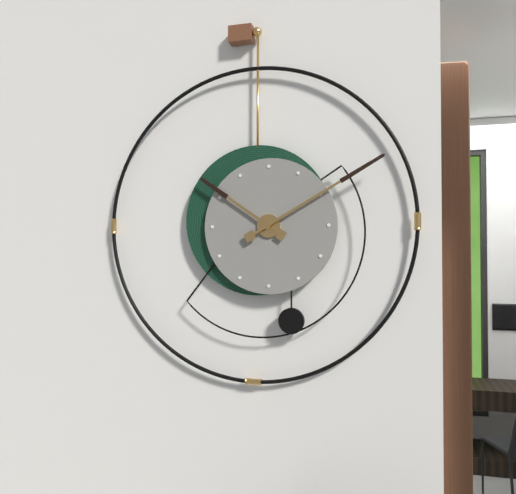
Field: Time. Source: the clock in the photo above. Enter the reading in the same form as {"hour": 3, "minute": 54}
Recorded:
{"hour": 10, "minute": 10}
